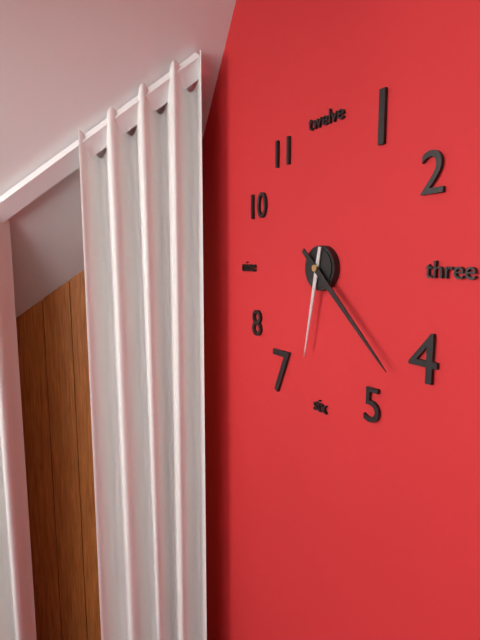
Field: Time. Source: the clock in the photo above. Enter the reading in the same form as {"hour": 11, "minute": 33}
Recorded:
{"hour": 6, "minute": 22}
